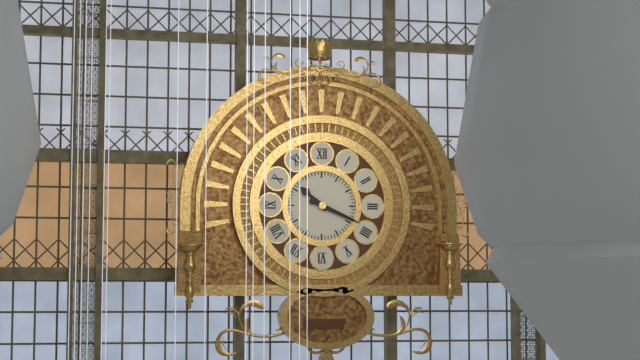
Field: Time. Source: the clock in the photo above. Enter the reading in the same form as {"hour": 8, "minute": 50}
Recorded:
{"hour": 10, "minute": 19}
